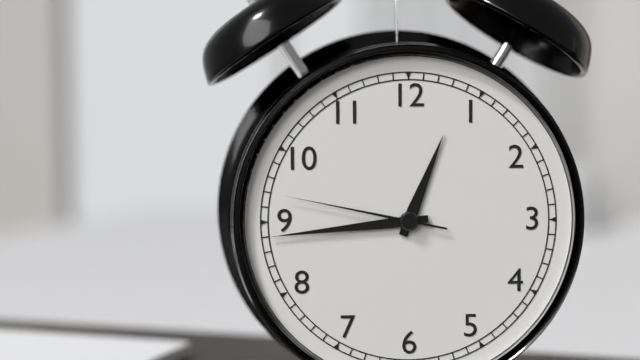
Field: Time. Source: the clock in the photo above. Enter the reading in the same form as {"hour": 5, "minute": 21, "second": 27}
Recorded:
{"hour": 12, "minute": 44, "second": 47}
